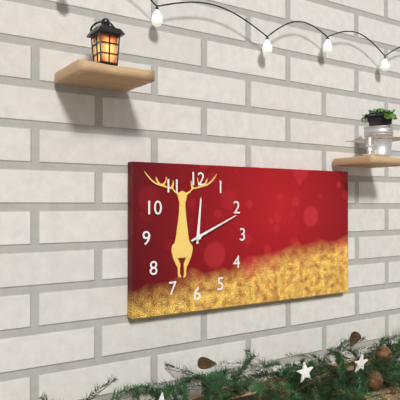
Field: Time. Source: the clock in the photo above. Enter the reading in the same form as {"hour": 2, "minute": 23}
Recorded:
{"hour": 12, "minute": 11}
